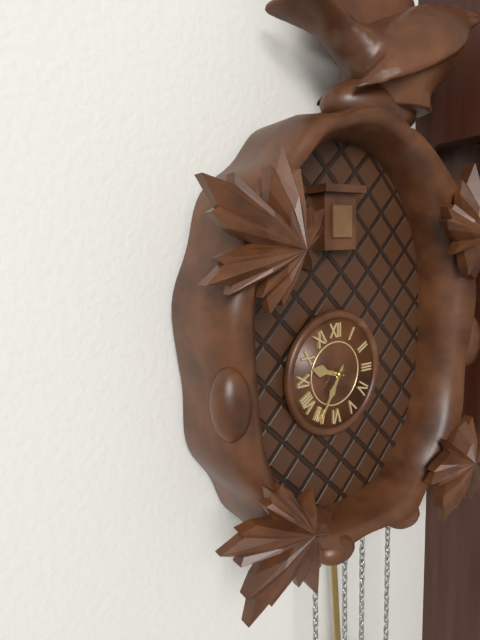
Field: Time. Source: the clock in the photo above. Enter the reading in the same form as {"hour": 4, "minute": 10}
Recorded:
{"hour": 9, "minute": 35}
